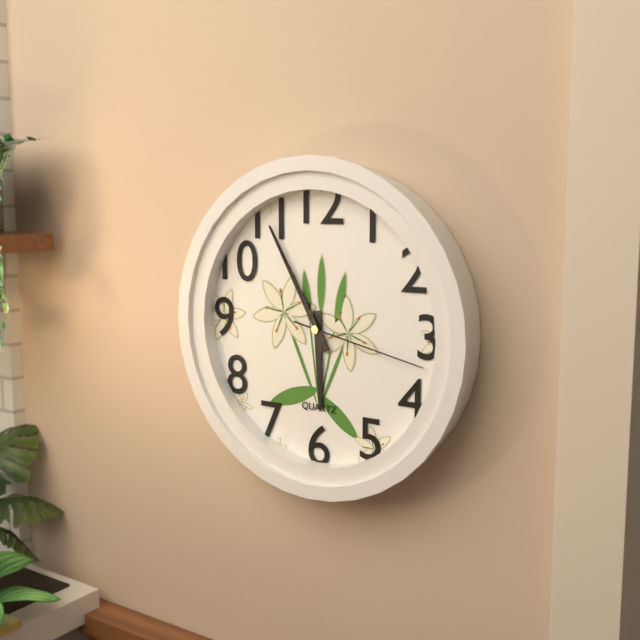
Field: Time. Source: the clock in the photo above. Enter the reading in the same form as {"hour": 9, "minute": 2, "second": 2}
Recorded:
{"hour": 5, "minute": 55, "second": 17}
